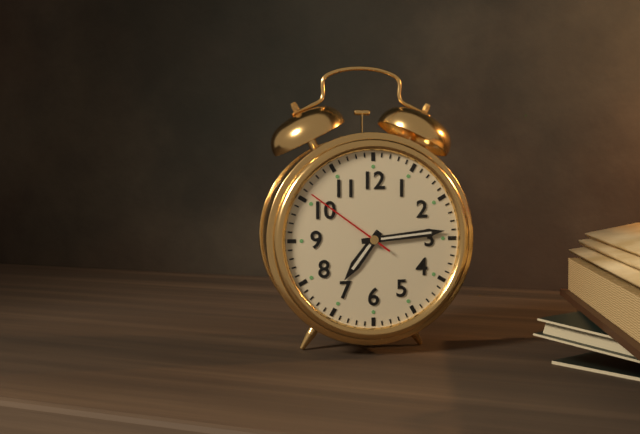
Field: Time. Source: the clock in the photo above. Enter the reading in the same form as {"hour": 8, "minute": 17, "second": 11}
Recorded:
{"hour": 7, "minute": 14, "second": 51}
